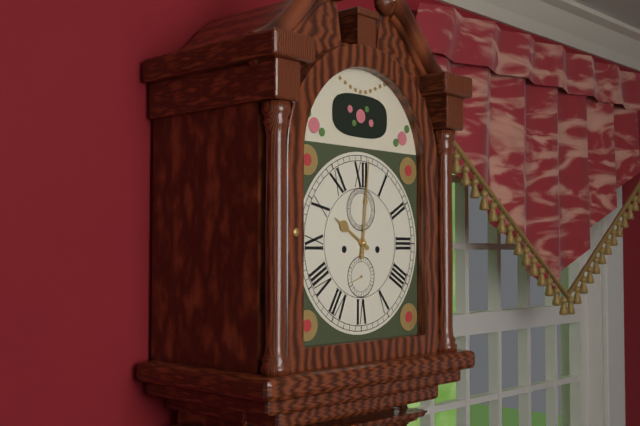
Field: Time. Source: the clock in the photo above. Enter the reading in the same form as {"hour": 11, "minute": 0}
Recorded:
{"hour": 10, "minute": 1}
